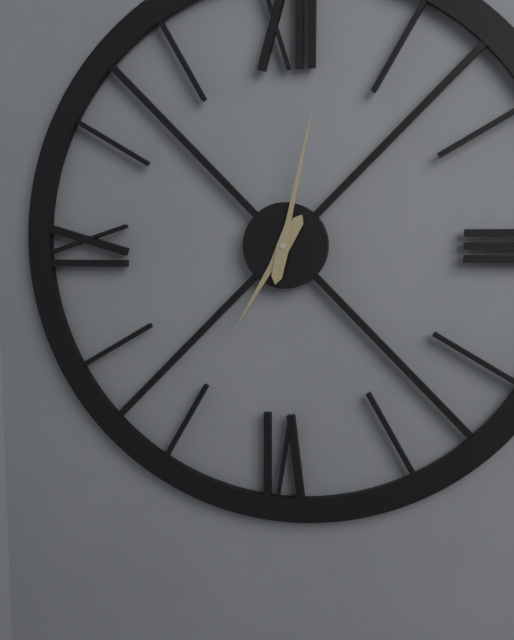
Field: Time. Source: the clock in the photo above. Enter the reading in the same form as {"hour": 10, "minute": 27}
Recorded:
{"hour": 7, "minute": 2}
